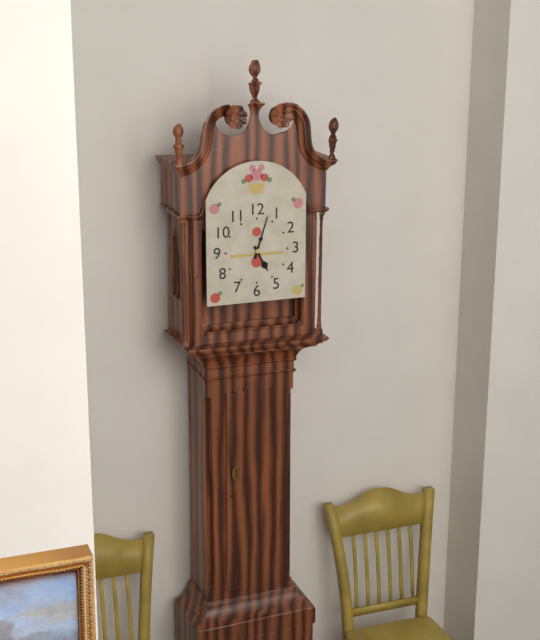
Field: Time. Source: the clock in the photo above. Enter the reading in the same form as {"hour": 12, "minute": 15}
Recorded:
{"hour": 5, "minute": 3}
